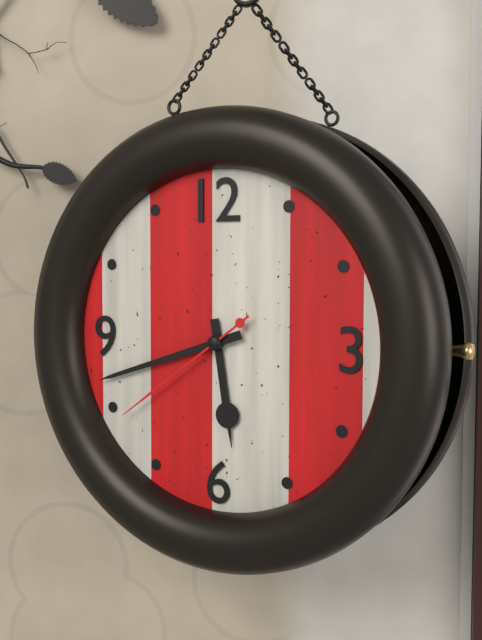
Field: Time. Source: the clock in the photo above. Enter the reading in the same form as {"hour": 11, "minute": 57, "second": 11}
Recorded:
{"hour": 5, "minute": 42, "second": 39}
